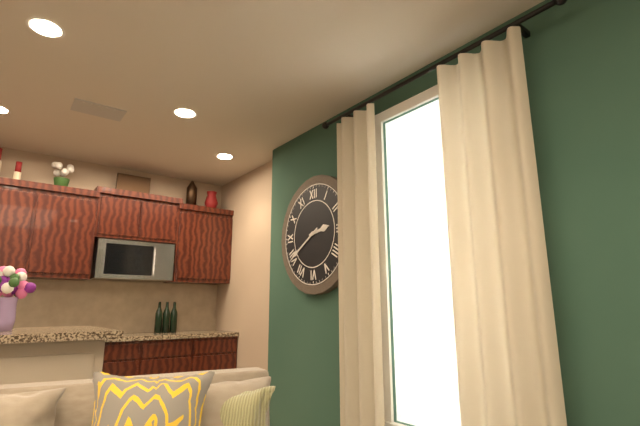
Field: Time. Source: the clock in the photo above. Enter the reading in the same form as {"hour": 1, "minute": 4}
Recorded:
{"hour": 2, "minute": 40}
